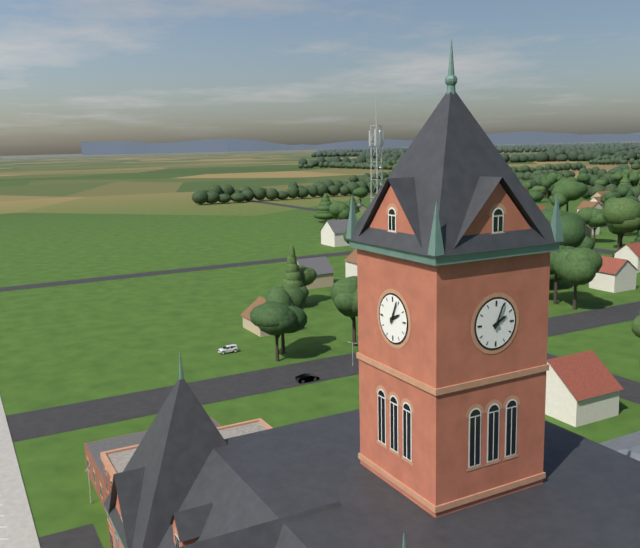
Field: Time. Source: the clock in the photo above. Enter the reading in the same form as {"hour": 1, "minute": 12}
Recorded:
{"hour": 2, "minute": 4}
